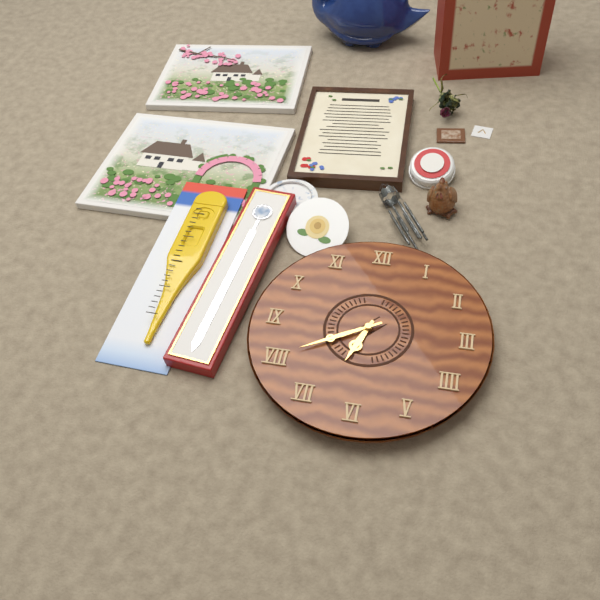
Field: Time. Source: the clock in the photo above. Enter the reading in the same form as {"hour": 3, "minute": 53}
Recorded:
{"hour": 6, "minute": 40}
